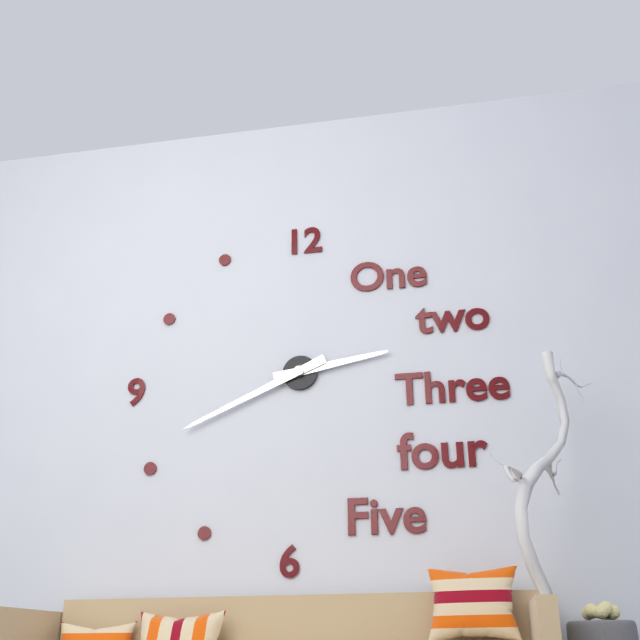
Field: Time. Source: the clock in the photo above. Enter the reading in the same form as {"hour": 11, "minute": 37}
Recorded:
{"hour": 2, "minute": 41}
